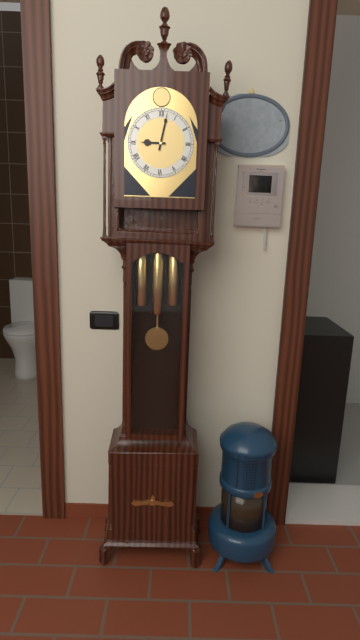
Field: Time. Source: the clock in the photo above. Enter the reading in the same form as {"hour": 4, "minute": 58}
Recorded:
{"hour": 9, "minute": 2}
